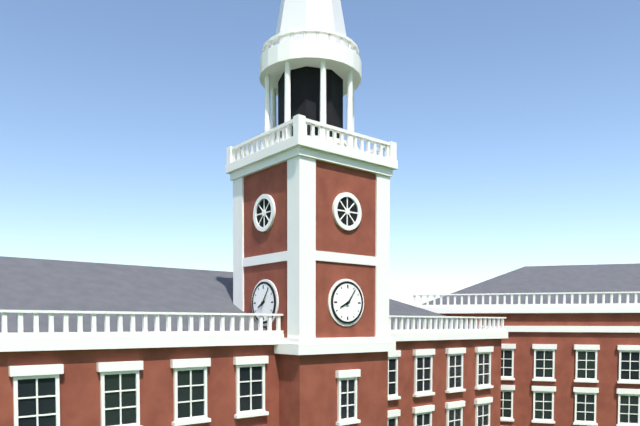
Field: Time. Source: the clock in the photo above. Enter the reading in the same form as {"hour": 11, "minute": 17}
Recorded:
{"hour": 8, "minute": 6}
